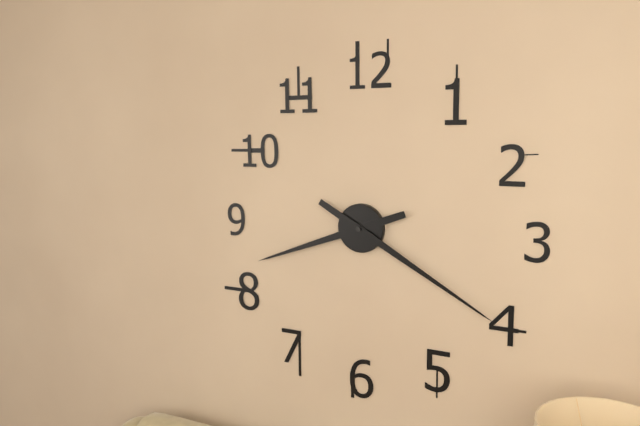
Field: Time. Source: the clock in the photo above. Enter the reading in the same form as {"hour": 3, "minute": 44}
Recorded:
{"hour": 8, "minute": 20}
